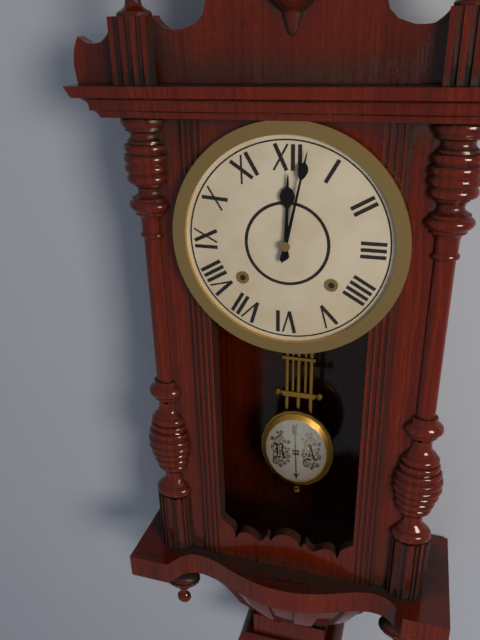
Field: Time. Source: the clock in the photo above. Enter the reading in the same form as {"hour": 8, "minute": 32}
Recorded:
{"hour": 12, "minute": 2}
